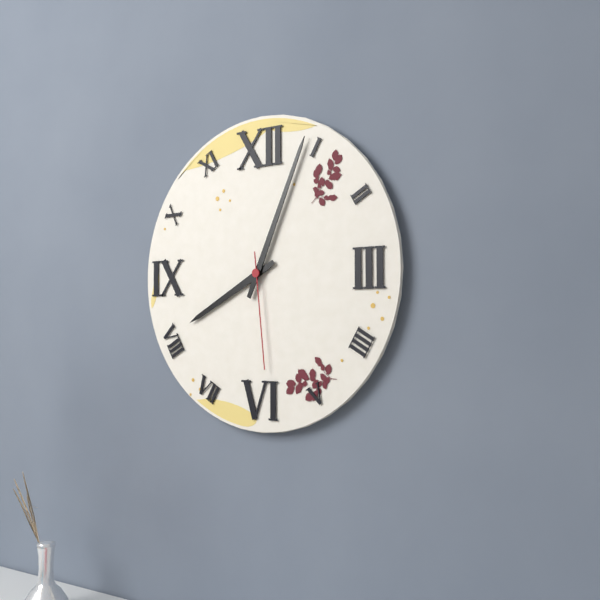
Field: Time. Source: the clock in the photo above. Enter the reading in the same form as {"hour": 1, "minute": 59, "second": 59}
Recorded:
{"hour": 8, "minute": 4, "second": 29}
